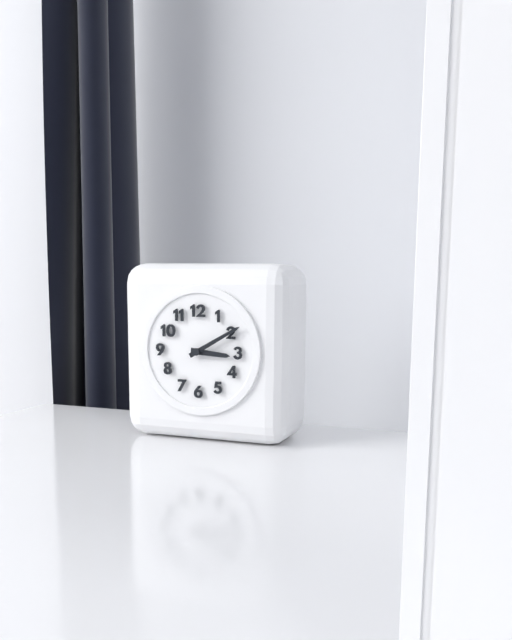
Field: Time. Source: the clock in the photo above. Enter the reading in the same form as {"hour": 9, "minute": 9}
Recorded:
{"hour": 3, "minute": 10}
